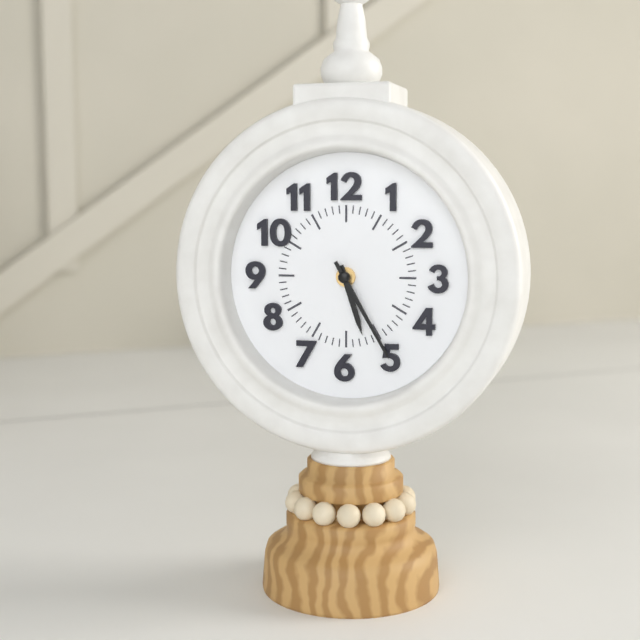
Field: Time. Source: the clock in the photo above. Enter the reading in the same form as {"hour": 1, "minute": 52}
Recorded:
{"hour": 5, "minute": 25}
